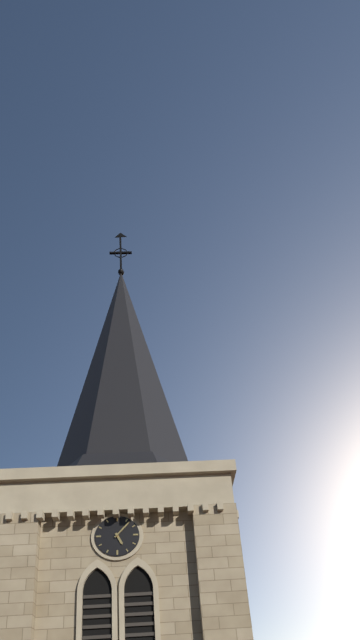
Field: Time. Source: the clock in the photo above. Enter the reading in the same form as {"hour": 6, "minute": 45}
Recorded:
{"hour": 5, "minute": 7}
